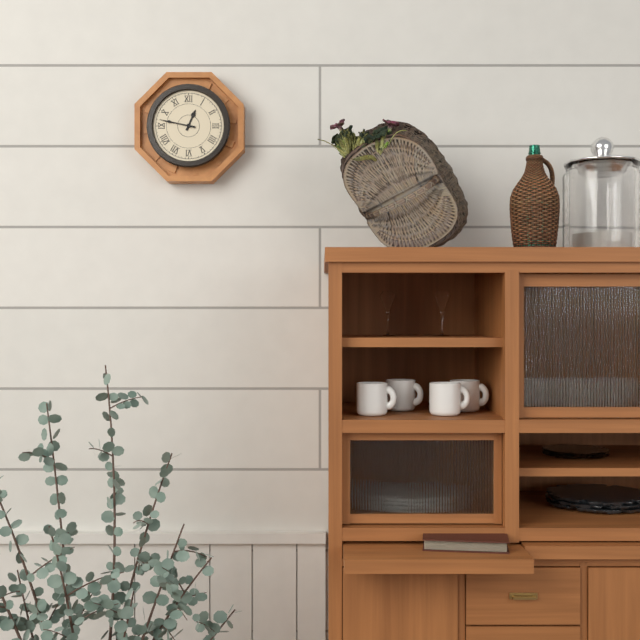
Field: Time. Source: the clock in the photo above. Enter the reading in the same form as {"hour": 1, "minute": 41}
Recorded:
{"hour": 12, "minute": 47}
